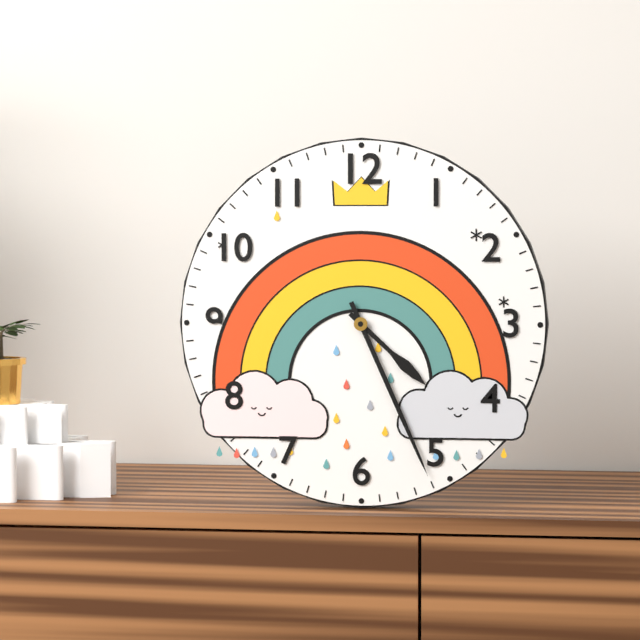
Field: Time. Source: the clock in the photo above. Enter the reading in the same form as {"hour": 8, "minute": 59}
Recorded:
{"hour": 4, "minute": 26}
